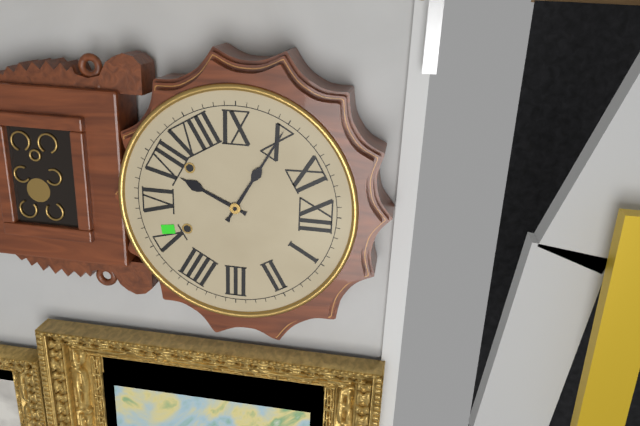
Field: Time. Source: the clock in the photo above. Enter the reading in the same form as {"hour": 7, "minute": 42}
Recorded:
{"hour": 6, "minute": 50}
